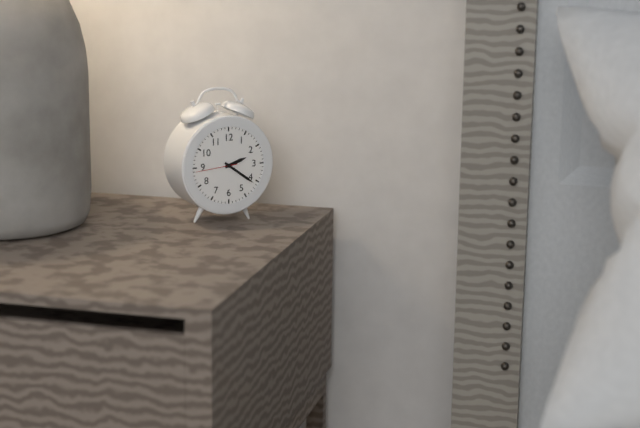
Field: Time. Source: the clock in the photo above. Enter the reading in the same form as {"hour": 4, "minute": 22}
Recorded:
{"hour": 2, "minute": 21}
